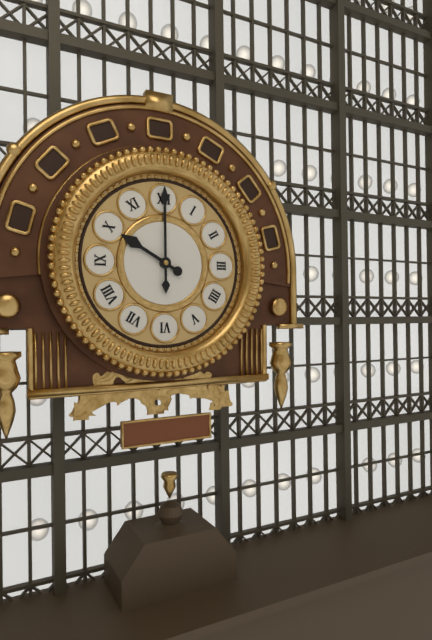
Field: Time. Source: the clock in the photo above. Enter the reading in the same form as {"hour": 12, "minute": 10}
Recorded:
{"hour": 10, "minute": 0}
